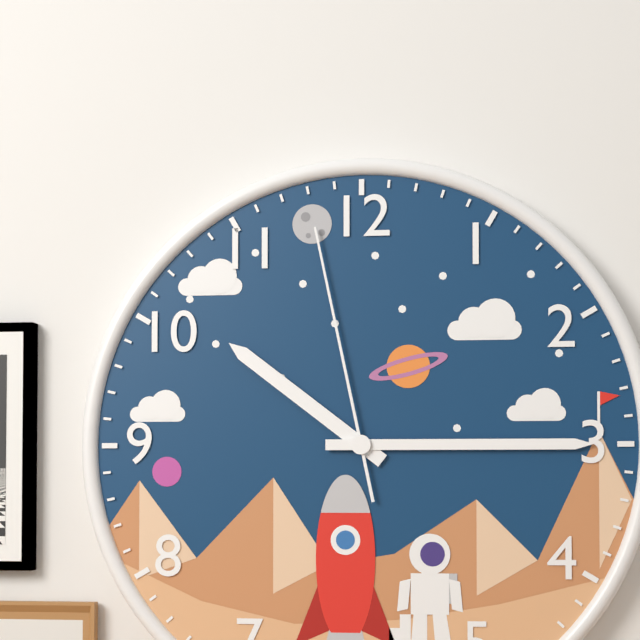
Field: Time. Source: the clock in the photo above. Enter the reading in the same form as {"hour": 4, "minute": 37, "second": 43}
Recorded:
{"hour": 10, "minute": 15, "second": 58}
